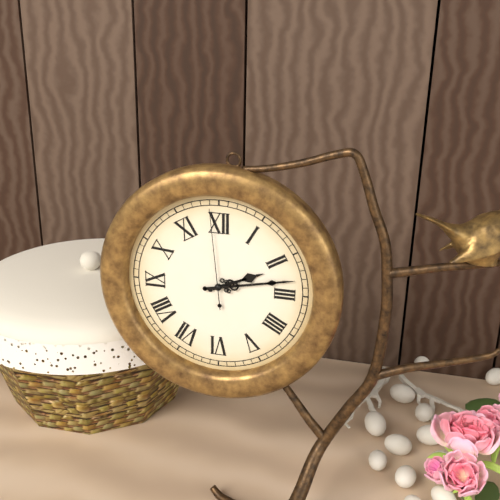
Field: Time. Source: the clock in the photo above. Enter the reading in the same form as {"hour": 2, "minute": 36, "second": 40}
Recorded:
{"hour": 2, "minute": 13, "second": 59}
